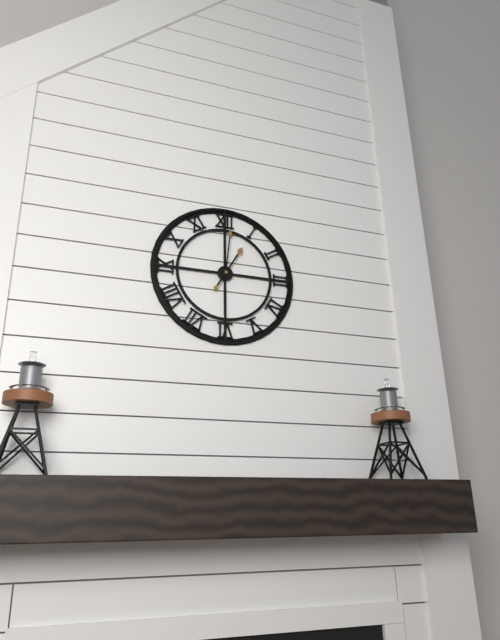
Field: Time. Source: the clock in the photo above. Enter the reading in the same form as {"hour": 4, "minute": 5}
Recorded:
{"hour": 1, "minute": 1}
